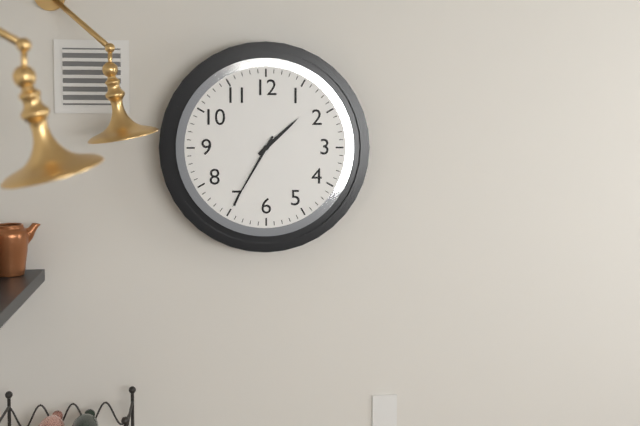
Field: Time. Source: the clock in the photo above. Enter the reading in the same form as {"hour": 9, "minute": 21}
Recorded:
{"hour": 1, "minute": 35}
